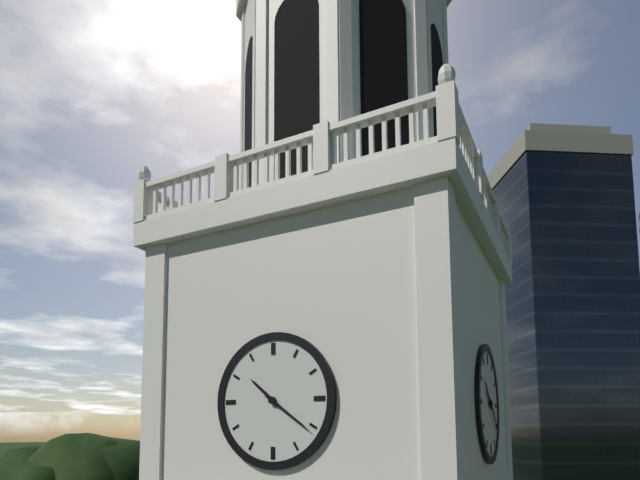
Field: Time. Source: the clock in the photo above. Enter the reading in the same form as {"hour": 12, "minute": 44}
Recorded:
{"hour": 10, "minute": 21}
